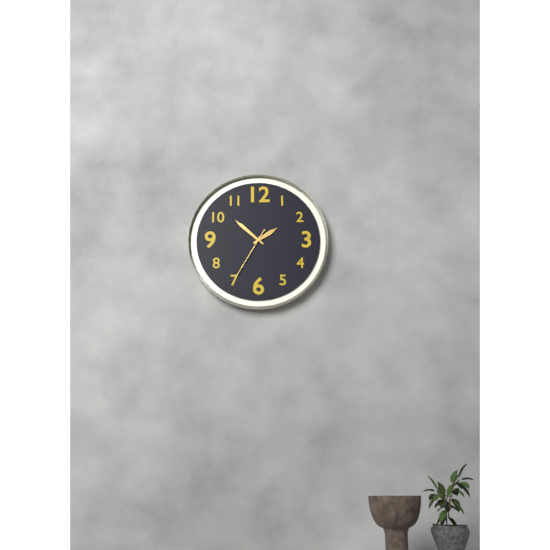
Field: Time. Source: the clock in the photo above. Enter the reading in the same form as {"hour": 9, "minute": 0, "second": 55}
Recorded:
{"hour": 1, "minute": 52, "second": 35}
